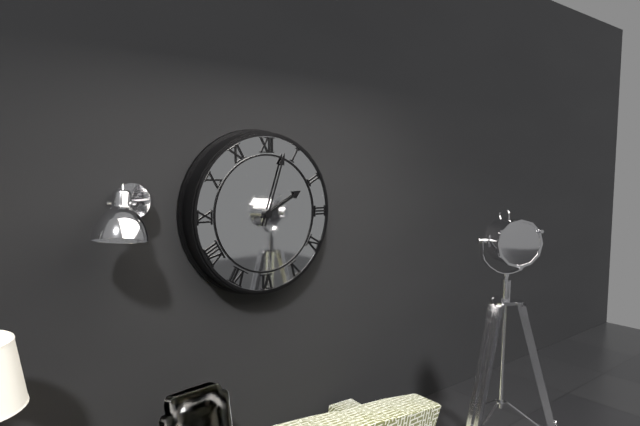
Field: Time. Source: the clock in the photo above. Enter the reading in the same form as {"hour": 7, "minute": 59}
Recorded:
{"hour": 2, "minute": 3}
